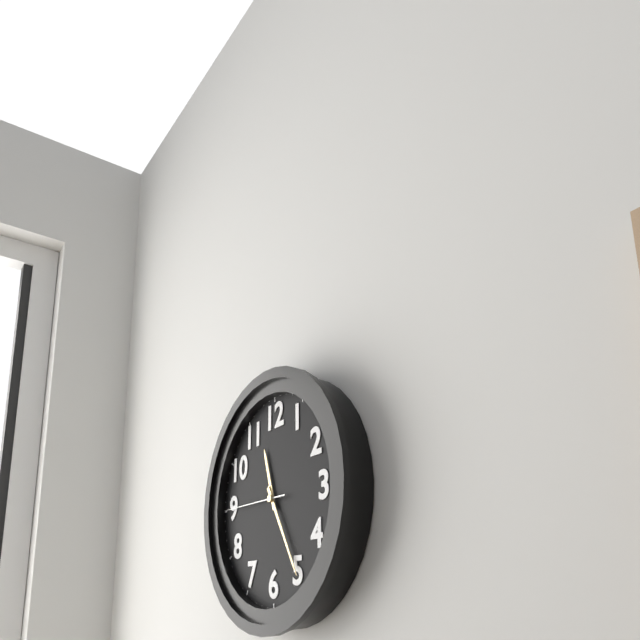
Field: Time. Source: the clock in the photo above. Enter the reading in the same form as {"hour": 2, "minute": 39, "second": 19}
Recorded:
{"hour": 11, "minute": 25, "second": 45}
